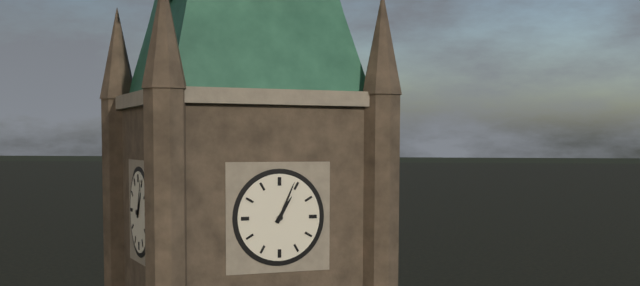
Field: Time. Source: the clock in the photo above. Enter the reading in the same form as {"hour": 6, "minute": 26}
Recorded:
{"hour": 1, "minute": 4}
